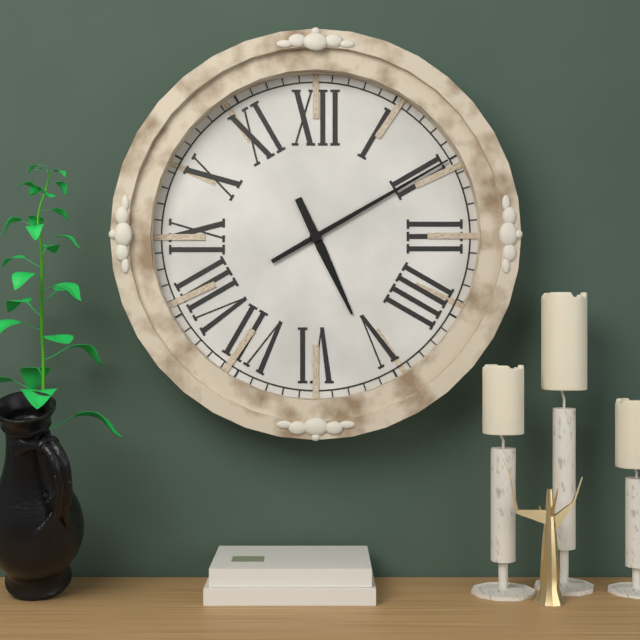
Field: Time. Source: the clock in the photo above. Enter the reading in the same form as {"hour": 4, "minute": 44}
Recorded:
{"hour": 5, "minute": 10}
